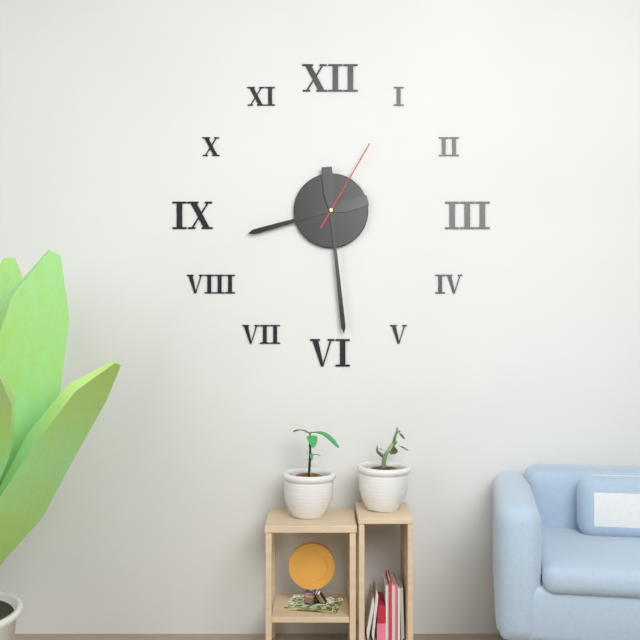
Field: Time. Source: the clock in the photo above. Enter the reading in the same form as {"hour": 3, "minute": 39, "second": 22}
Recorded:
{"hour": 8, "minute": 29, "second": 5}
